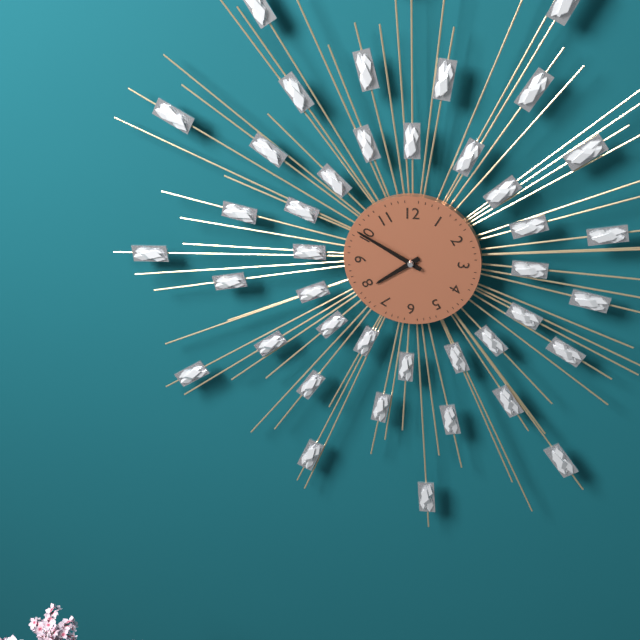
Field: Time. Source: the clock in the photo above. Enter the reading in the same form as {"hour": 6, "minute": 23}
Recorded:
{"hour": 7, "minute": 50}
